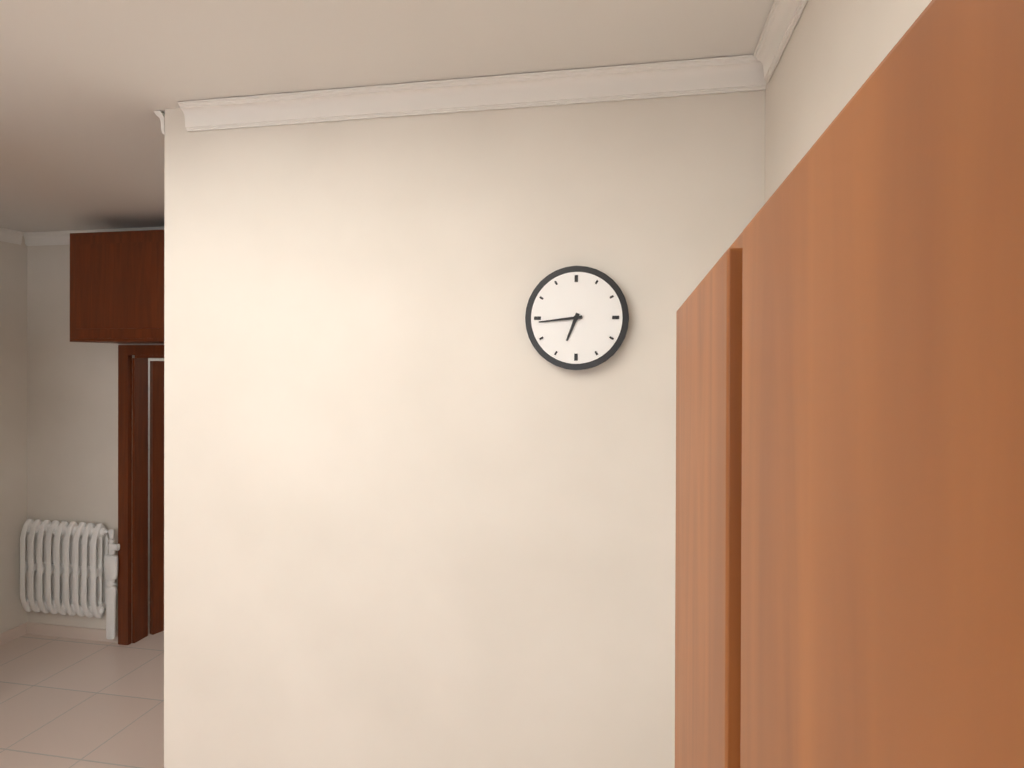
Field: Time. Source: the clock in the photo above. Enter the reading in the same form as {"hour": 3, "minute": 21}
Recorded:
{"hour": 6, "minute": 44}
